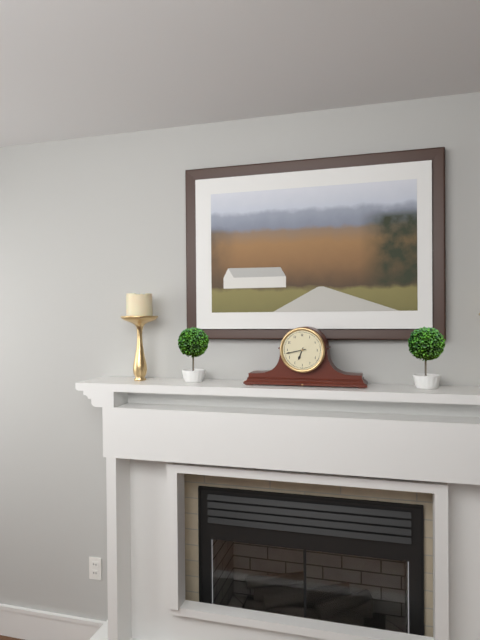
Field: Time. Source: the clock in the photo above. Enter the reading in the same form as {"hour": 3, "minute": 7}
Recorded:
{"hour": 6, "minute": 43}
